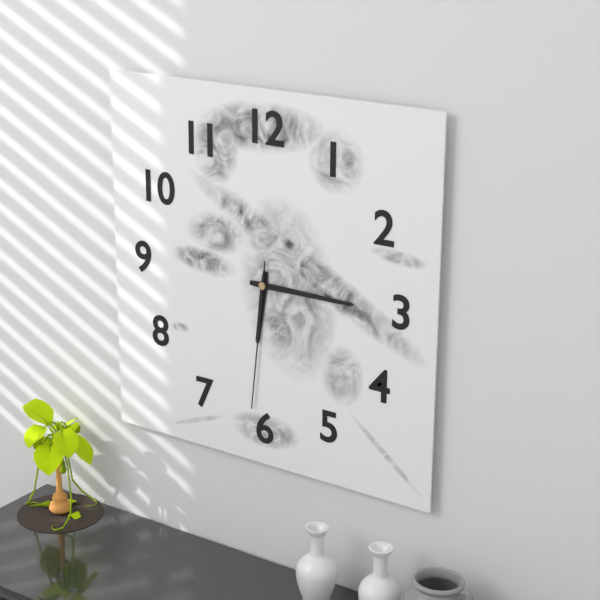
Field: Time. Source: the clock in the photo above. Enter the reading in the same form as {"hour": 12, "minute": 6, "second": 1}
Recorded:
{"hour": 6, "minute": 15, "second": 31}
